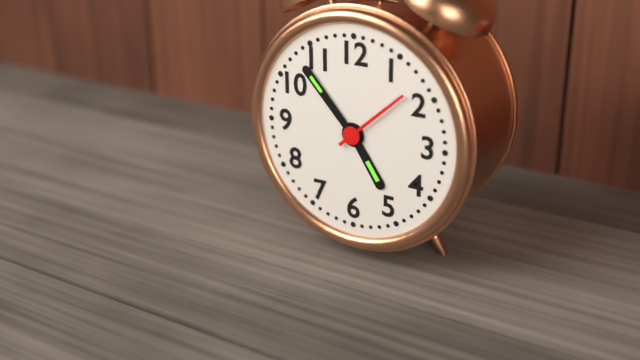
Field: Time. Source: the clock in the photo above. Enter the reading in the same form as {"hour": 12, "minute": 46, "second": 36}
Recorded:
{"hour": 4, "minute": 53, "second": 8}
